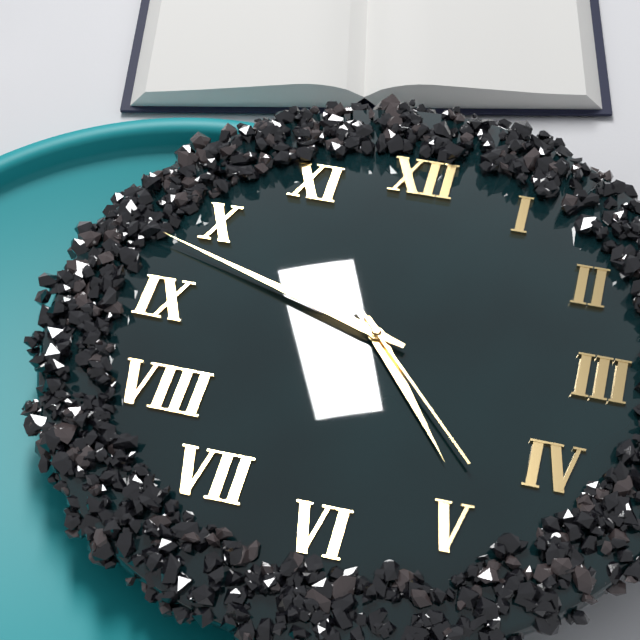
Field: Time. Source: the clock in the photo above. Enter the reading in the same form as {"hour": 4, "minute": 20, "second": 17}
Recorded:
{"hour": 4, "minute": 48, "second": 23}
